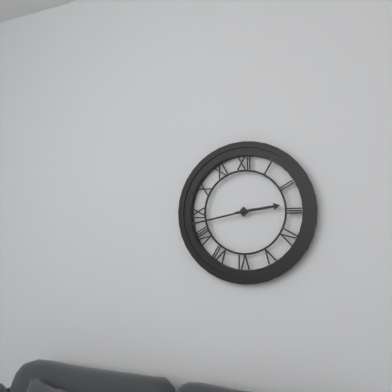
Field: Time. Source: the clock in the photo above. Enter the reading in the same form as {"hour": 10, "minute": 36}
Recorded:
{"hour": 2, "minute": 43}
